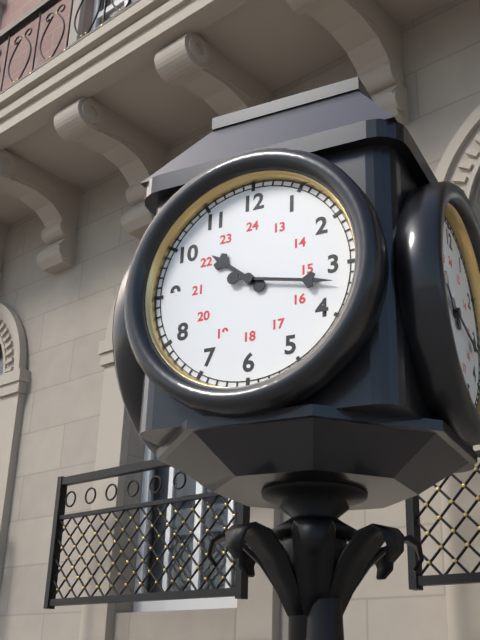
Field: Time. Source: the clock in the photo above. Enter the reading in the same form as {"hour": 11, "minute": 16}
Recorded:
{"hour": 10, "minute": 17}
